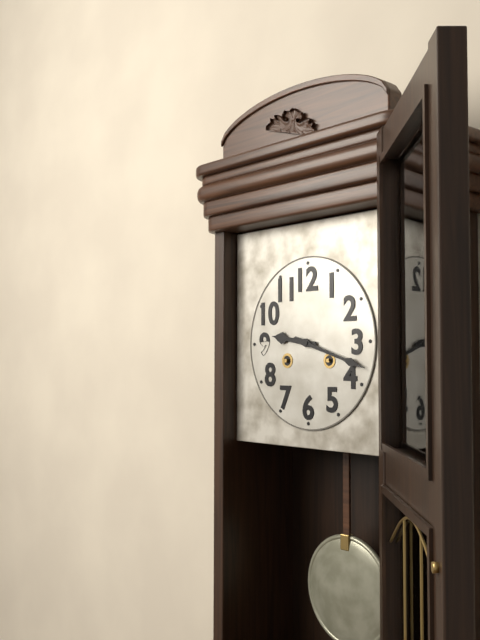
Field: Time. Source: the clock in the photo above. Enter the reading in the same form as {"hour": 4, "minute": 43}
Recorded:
{"hour": 9, "minute": 18}
